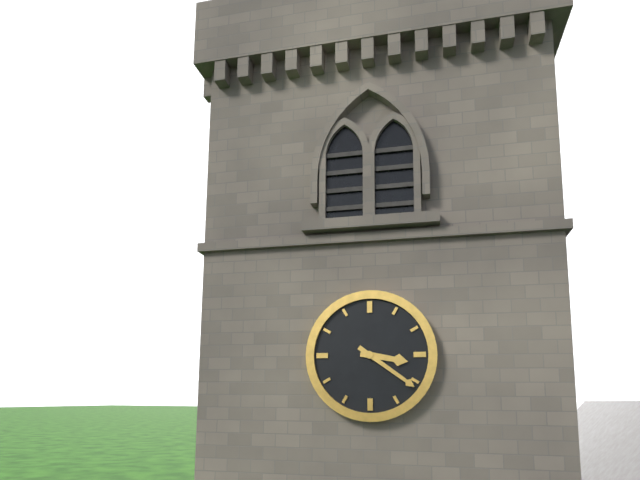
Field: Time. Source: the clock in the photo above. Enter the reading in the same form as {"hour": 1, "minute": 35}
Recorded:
{"hour": 3, "minute": 21}
